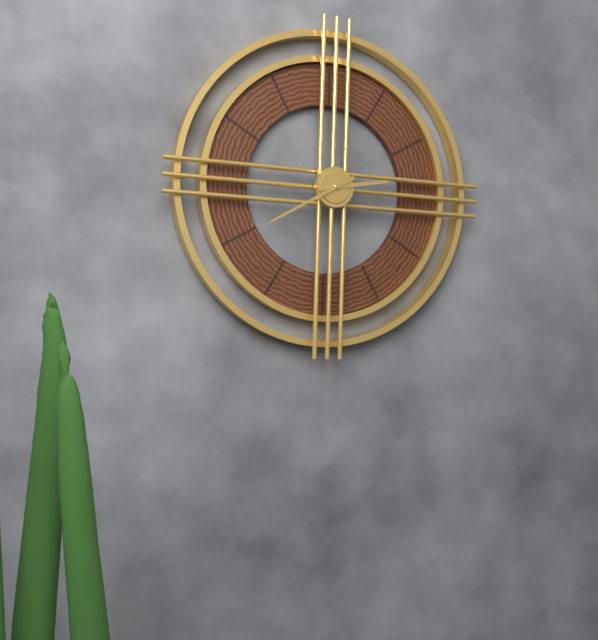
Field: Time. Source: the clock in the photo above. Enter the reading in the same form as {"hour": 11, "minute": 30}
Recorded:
{"hour": 2, "minute": 40}
